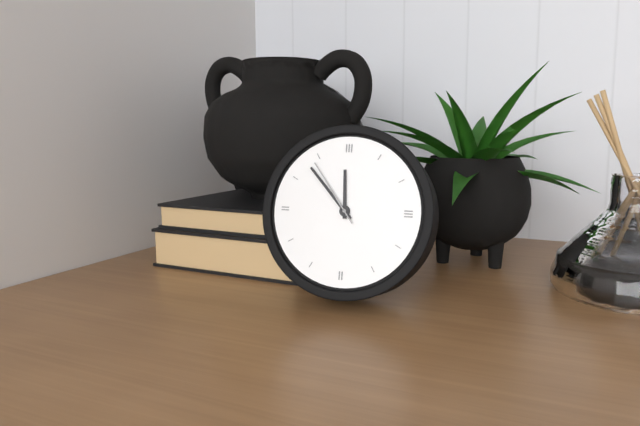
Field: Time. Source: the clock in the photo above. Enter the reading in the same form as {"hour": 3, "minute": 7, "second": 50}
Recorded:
{"hour": 11, "minute": 53, "second": 54}
